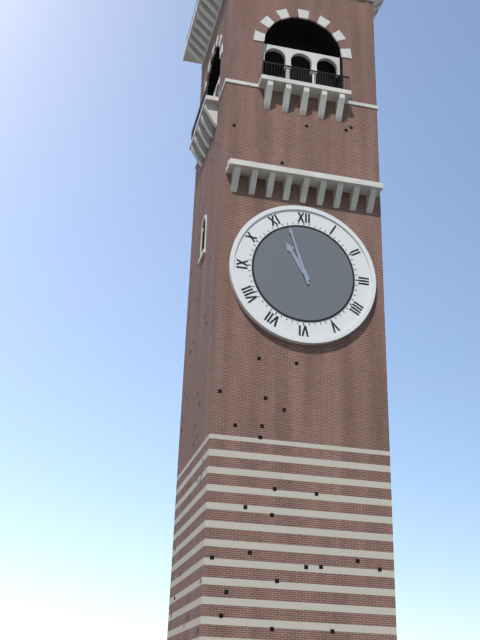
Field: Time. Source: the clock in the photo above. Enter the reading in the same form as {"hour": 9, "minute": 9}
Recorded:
{"hour": 10, "minute": 57}
